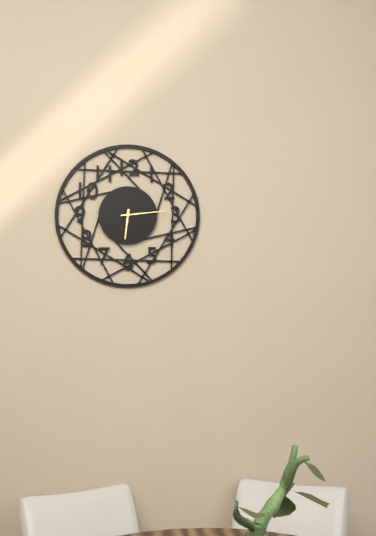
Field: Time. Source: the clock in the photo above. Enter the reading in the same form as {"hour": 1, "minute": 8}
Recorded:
{"hour": 6, "minute": 14}
